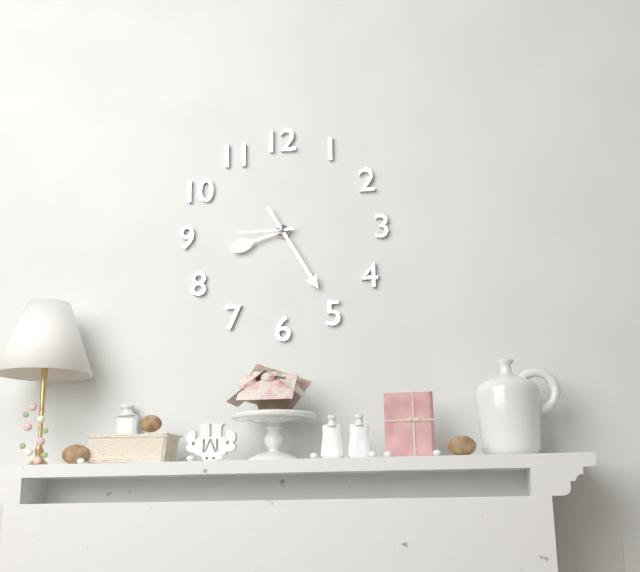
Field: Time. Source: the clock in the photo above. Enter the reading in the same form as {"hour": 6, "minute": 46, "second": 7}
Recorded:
{"hour": 8, "minute": 25, "second": 45}
